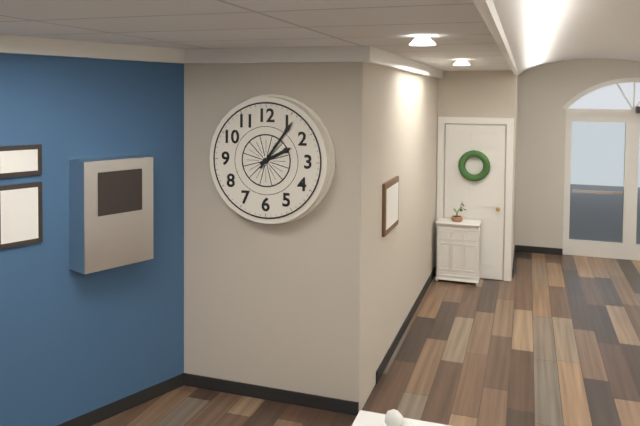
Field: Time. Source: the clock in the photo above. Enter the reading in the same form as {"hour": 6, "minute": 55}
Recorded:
{"hour": 2, "minute": 6}
